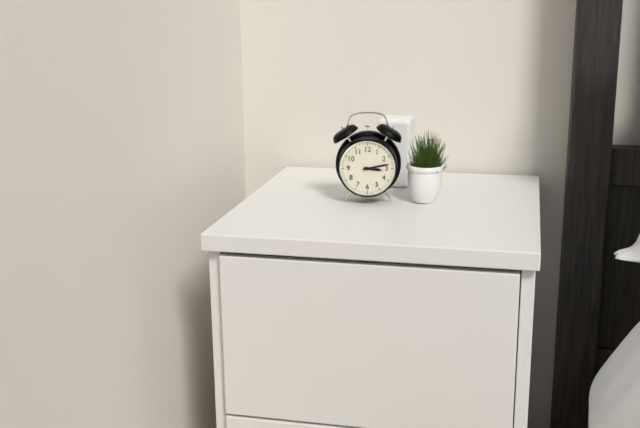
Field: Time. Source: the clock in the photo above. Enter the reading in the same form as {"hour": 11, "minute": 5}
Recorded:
{"hour": 3, "minute": 13}
